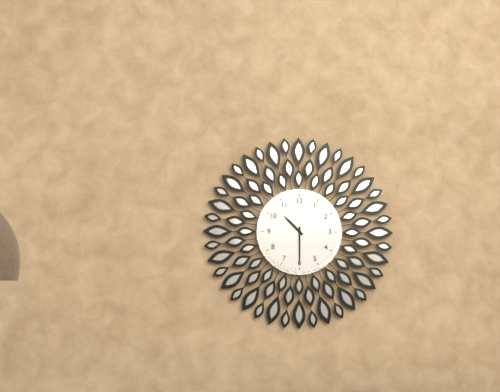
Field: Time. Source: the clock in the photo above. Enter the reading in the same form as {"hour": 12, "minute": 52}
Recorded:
{"hour": 10, "minute": 30}
